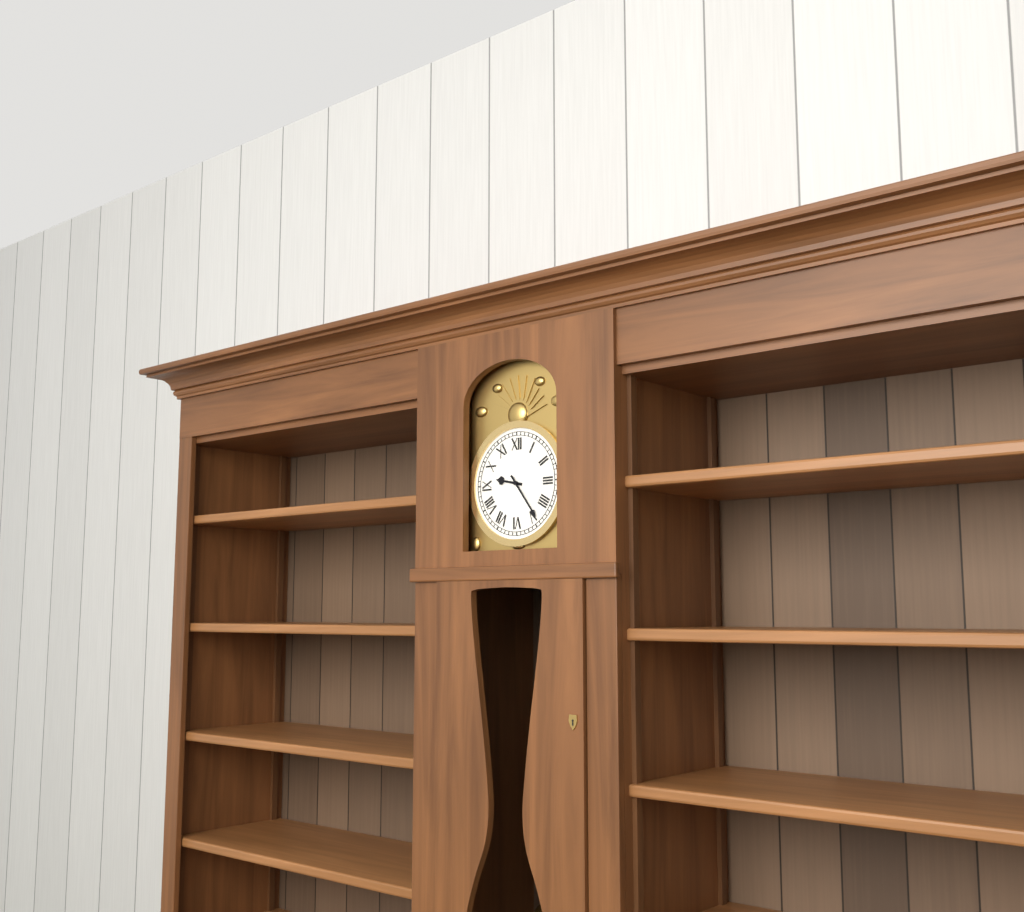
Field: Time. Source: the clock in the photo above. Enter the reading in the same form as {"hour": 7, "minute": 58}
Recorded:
{"hour": 9, "minute": 24}
